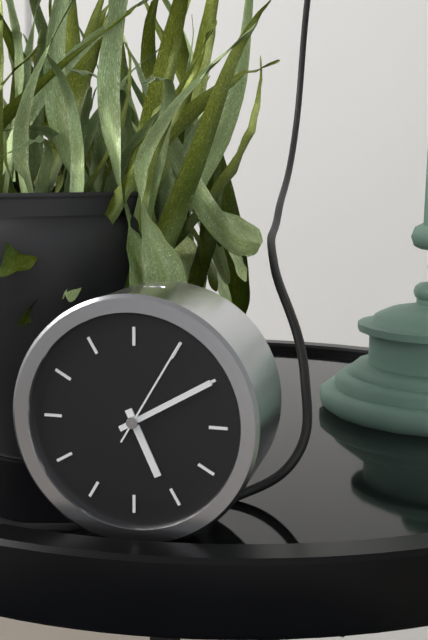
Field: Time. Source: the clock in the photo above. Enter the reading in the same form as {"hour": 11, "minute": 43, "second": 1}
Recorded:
{"hour": 5, "minute": 10, "second": 5}
